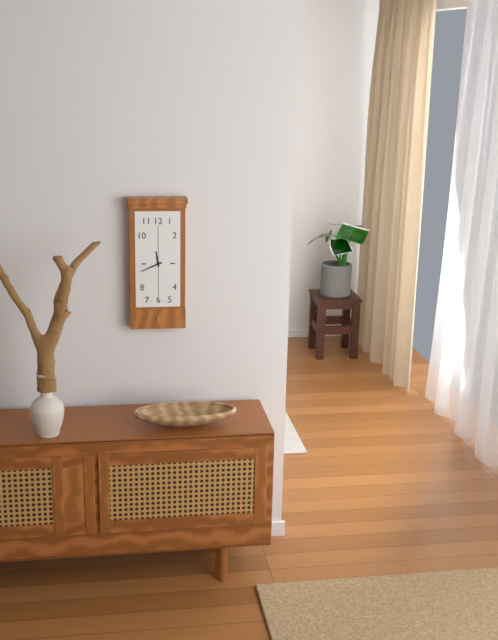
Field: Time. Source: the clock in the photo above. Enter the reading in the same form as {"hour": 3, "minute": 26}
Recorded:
{"hour": 11, "minute": 41}
